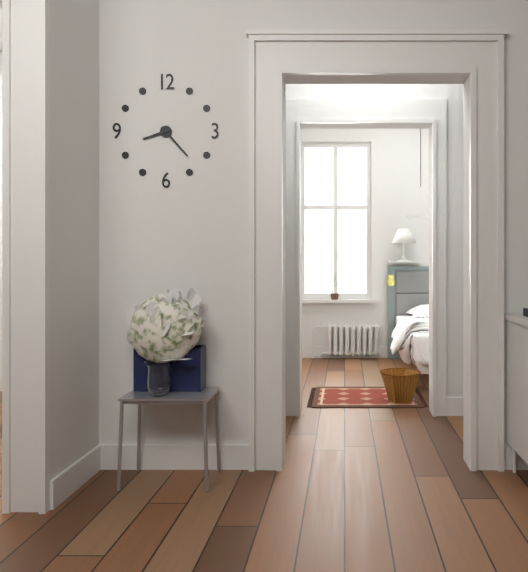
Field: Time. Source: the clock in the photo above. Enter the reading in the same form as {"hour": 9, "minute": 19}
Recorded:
{"hour": 8, "minute": 23}
